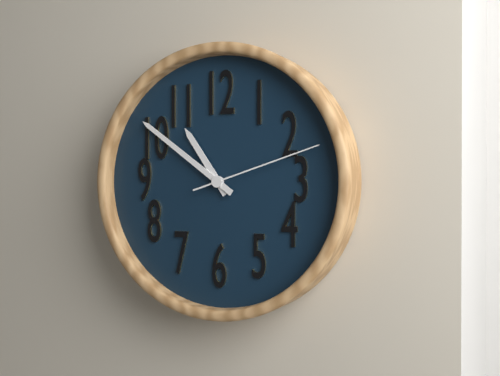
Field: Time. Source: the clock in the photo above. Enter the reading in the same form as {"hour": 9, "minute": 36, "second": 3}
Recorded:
{"hour": 10, "minute": 51, "second": 12}
